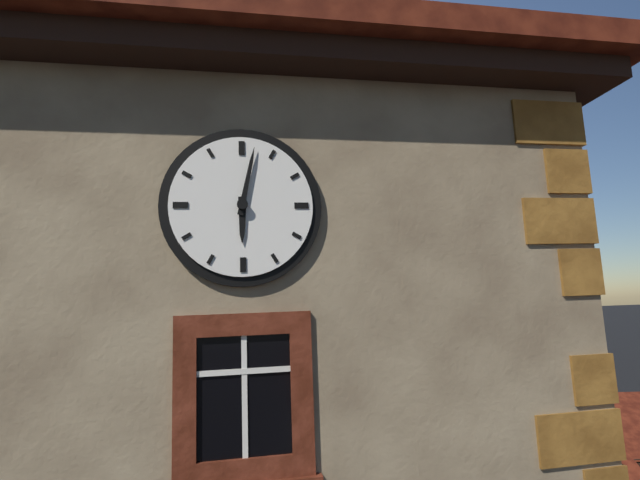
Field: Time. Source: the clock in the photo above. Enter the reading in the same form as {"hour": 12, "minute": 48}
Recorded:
{"hour": 6, "minute": 2}
